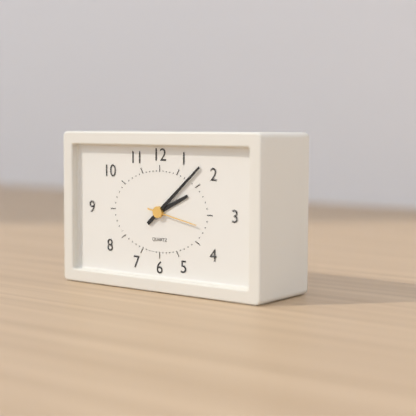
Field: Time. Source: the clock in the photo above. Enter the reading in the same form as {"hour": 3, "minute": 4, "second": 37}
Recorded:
{"hour": 2, "minute": 8, "second": 17}
